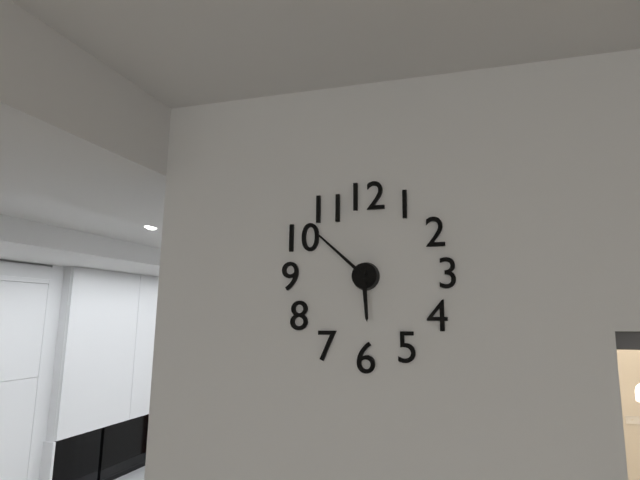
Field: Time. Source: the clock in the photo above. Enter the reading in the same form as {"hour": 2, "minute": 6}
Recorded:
{"hour": 5, "minute": 52}
